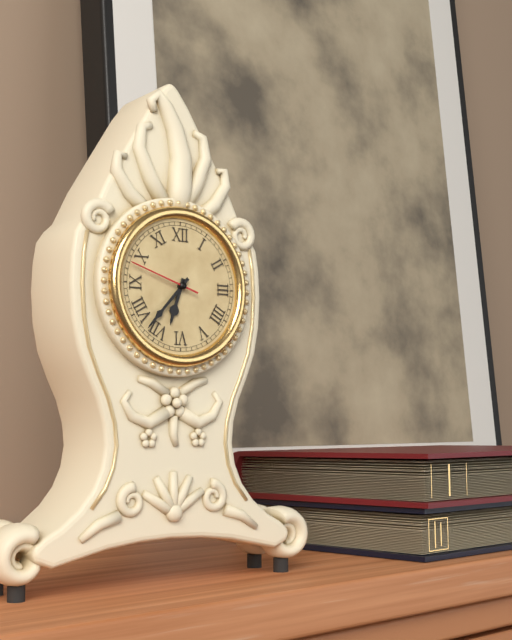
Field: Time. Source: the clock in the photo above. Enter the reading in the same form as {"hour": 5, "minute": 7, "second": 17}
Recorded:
{"hour": 6, "minute": 37, "second": 48}
